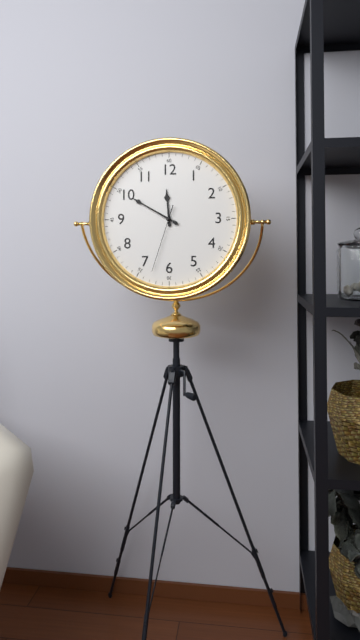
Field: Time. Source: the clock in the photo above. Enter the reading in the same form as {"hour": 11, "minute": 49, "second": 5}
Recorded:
{"hour": 11, "minute": 50, "second": 33}
